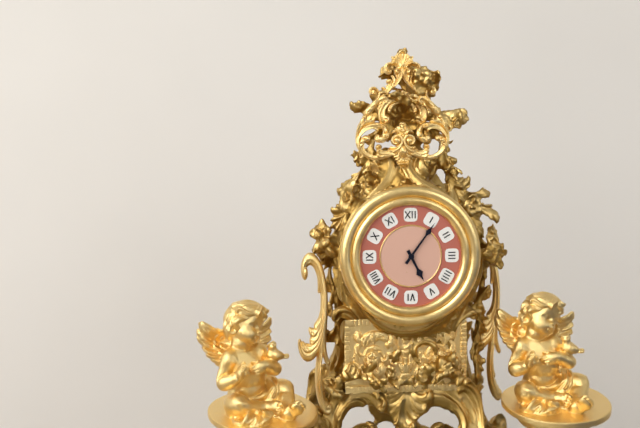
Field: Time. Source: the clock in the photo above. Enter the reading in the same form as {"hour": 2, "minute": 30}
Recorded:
{"hour": 5, "minute": 6}
